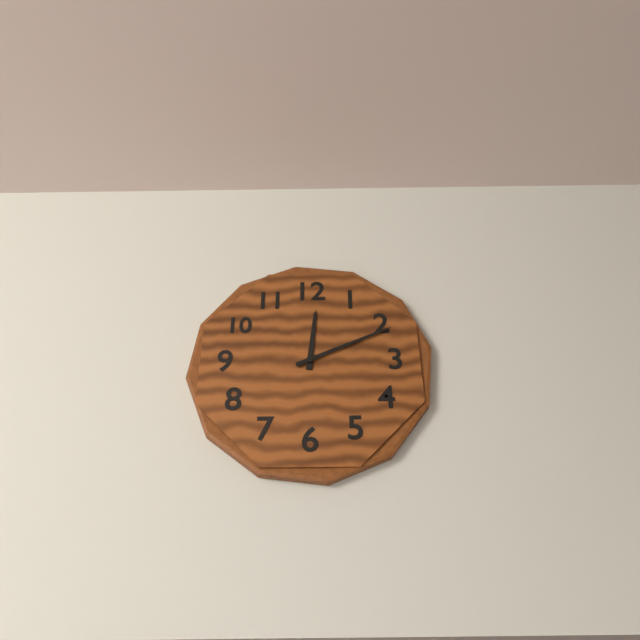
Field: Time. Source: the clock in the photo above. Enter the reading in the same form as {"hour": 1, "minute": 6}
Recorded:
{"hour": 12, "minute": 11}
